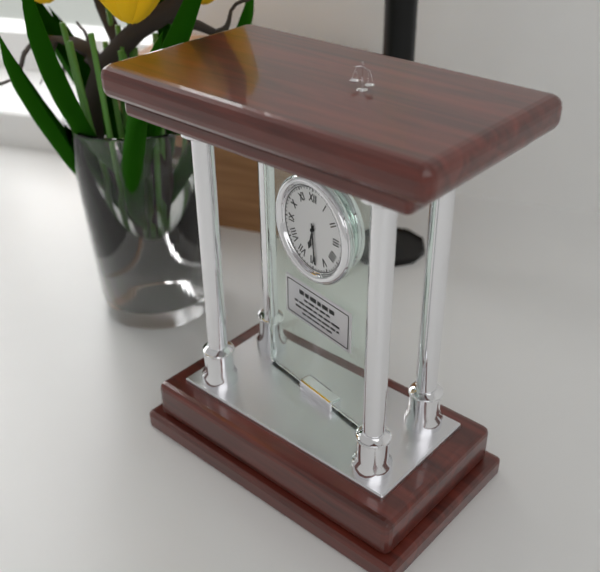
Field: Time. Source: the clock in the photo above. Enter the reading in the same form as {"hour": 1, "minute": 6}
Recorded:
{"hour": 6, "minute": 29}
